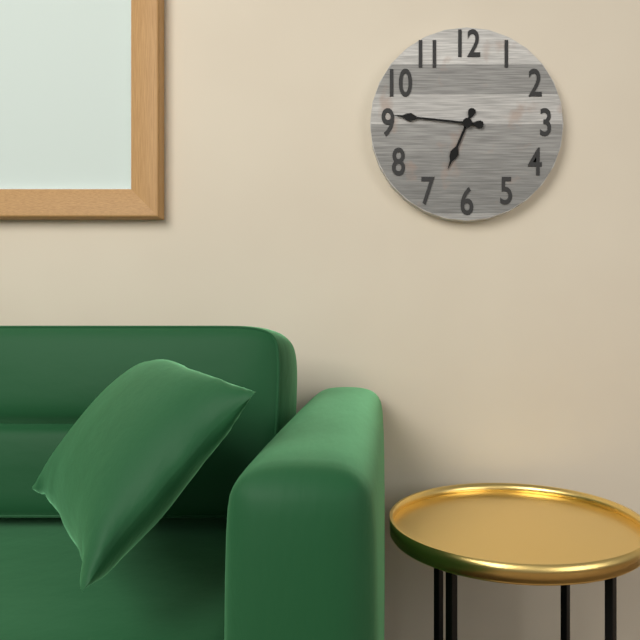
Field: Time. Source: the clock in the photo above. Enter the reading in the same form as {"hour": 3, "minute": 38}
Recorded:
{"hour": 6, "minute": 46}
